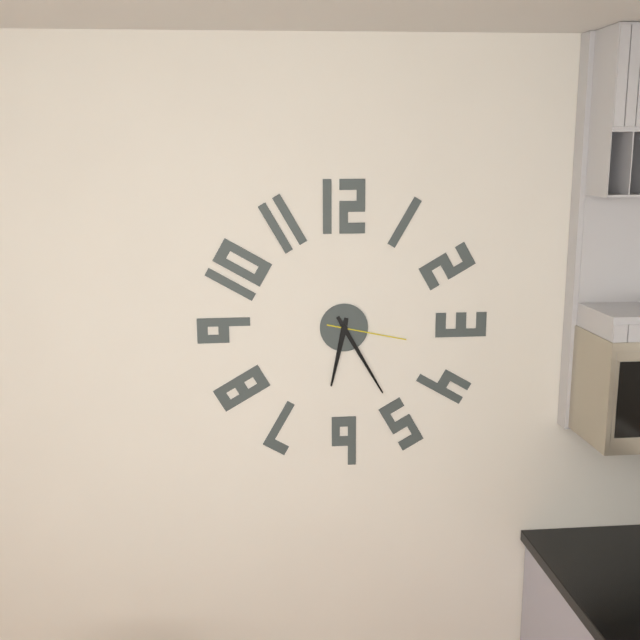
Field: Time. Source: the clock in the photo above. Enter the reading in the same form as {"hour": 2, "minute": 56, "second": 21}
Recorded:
{"hour": 6, "minute": 25, "second": 17}
